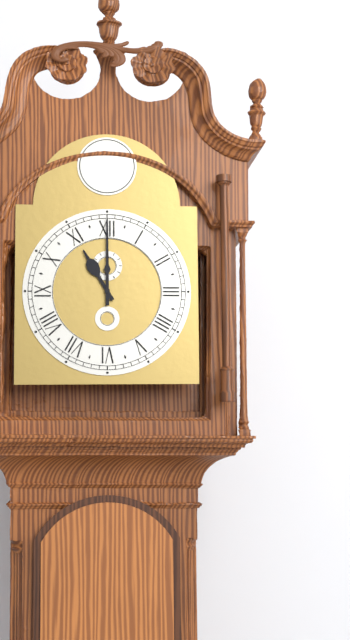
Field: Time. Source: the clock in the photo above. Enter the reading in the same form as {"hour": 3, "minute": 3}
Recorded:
{"hour": 11, "minute": 0}
